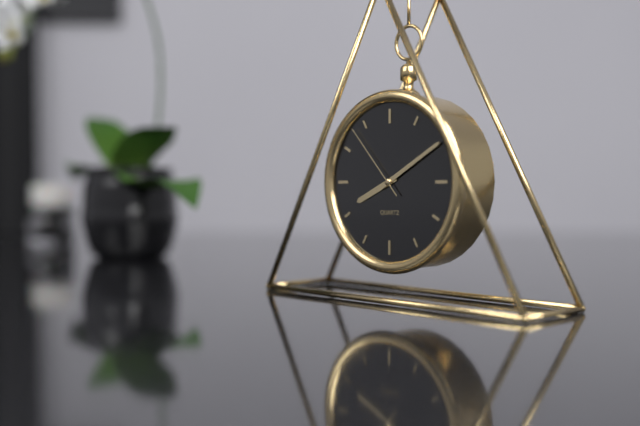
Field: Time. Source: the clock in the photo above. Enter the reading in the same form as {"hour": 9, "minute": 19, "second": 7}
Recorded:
{"hour": 8, "minute": 10, "second": 53}
